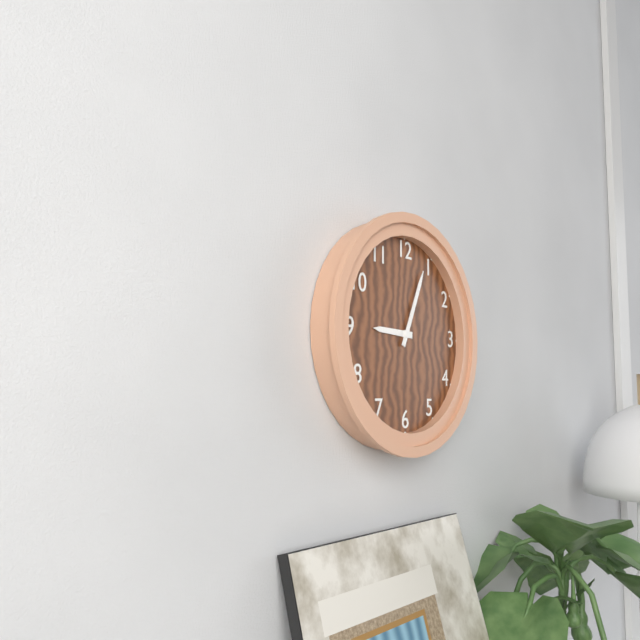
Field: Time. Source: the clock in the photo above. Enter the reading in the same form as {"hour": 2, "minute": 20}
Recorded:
{"hour": 9, "minute": 4}
